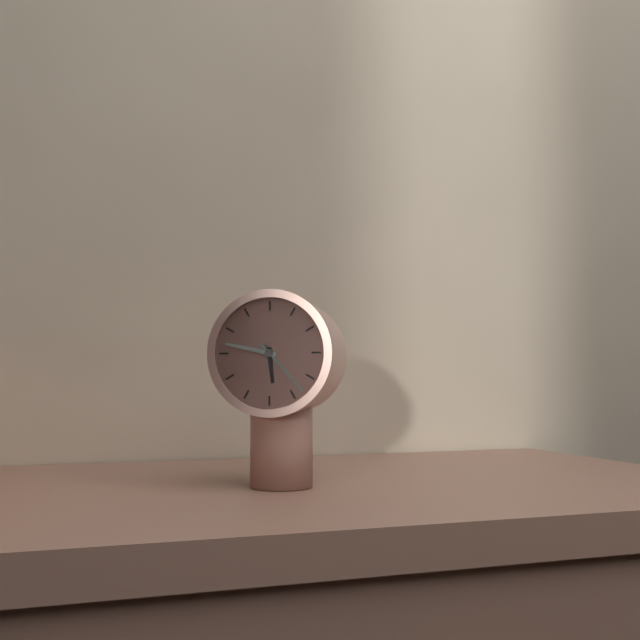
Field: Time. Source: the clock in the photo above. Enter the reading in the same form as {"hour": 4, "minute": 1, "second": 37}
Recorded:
{"hour": 5, "minute": 47, "second": 23}
